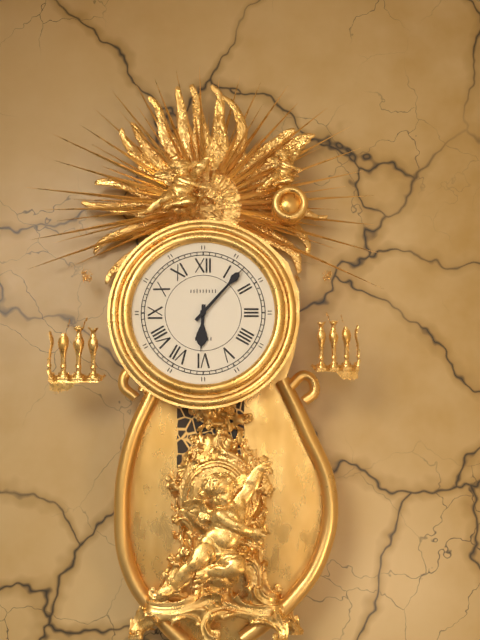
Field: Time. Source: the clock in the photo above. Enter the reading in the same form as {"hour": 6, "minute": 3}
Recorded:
{"hour": 6, "minute": 7}
